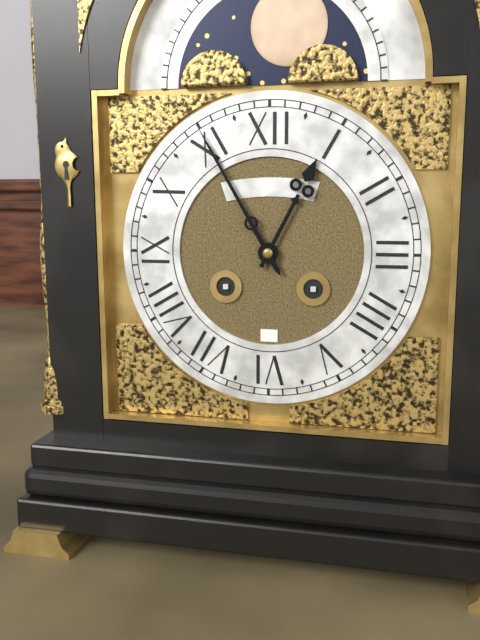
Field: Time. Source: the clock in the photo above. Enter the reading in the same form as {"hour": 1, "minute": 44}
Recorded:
{"hour": 12, "minute": 55}
